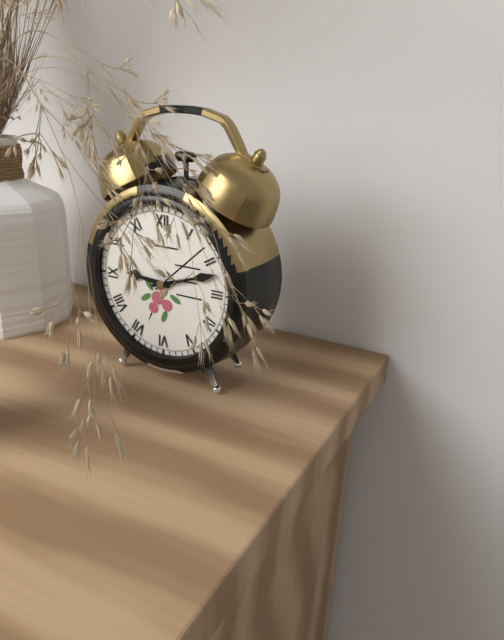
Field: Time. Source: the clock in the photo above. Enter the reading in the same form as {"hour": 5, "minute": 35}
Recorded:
{"hour": 9, "minute": 12}
